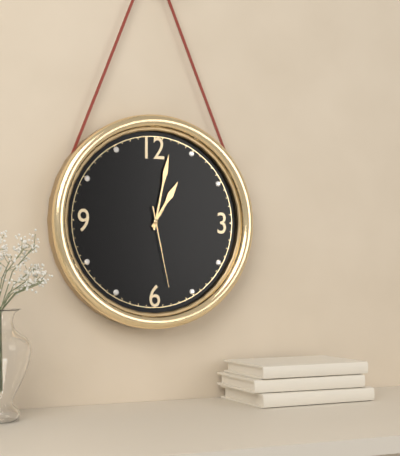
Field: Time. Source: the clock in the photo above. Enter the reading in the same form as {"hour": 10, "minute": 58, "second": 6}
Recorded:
{"hour": 1, "minute": 2, "second": 28}
